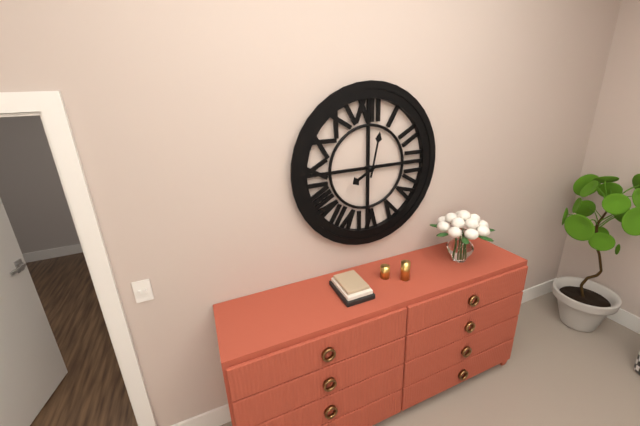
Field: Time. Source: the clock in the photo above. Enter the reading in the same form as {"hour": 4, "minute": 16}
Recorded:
{"hour": 8, "minute": 2}
